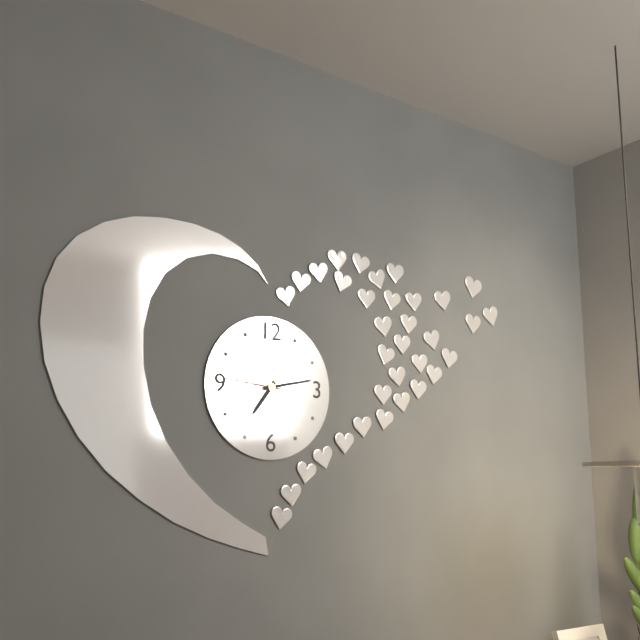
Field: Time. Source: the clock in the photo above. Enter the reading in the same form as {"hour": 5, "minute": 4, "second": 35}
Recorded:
{"hour": 7, "minute": 13, "second": 46}
